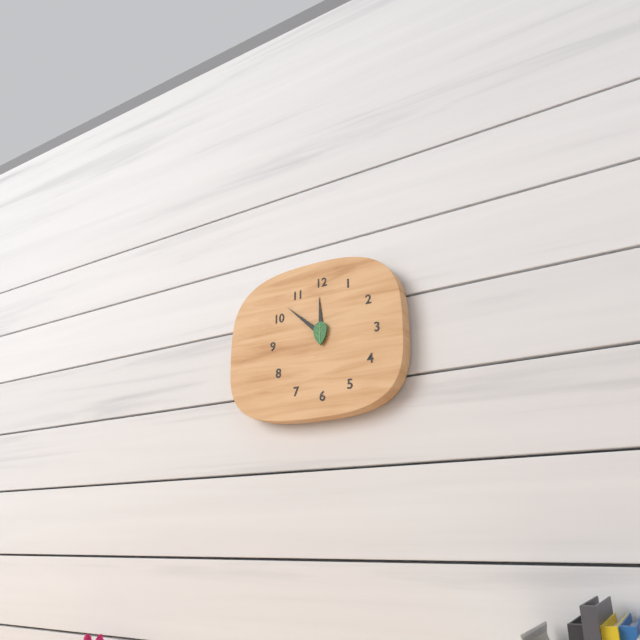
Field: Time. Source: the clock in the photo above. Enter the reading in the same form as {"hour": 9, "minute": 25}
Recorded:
{"hour": 11, "minute": 52}
